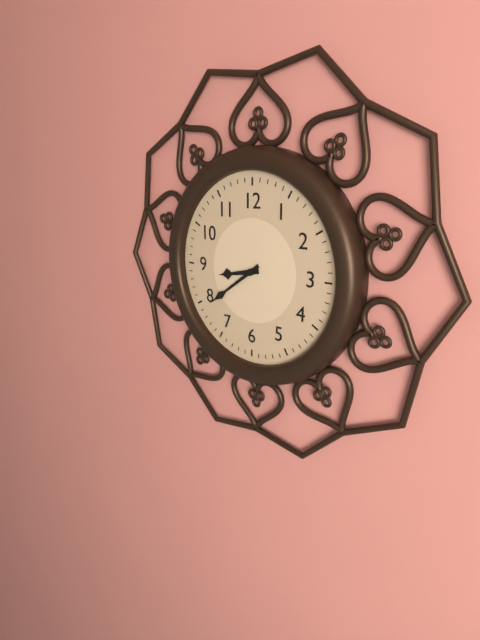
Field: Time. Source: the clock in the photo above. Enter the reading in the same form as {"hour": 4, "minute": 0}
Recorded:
{"hour": 8, "minute": 39}
